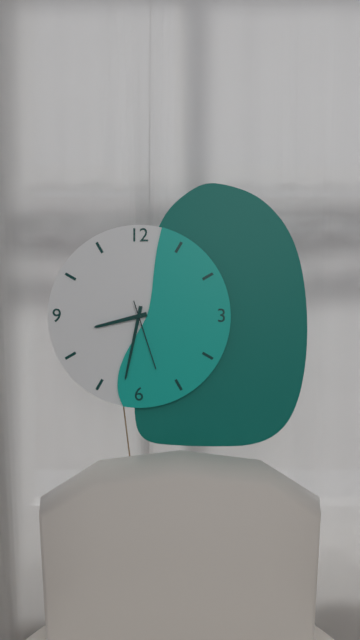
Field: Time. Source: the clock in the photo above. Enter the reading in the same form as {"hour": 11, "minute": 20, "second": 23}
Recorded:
{"hour": 8, "minute": 32, "second": 27}
